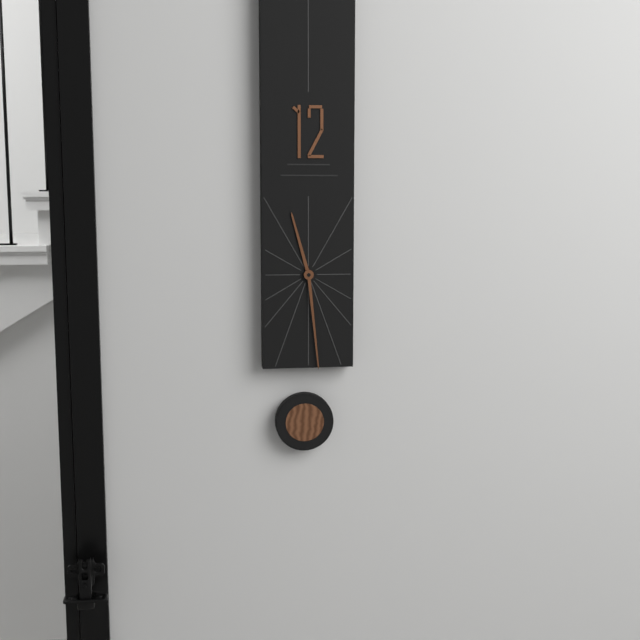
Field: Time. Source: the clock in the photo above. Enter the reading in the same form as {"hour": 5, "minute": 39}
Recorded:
{"hour": 11, "minute": 29}
